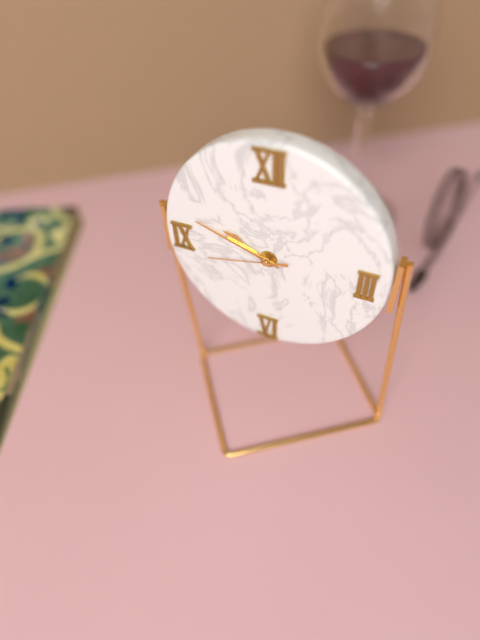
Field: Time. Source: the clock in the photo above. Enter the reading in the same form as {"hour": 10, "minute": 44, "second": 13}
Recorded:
{"hour": 9, "minute": 48, "second": 43}
